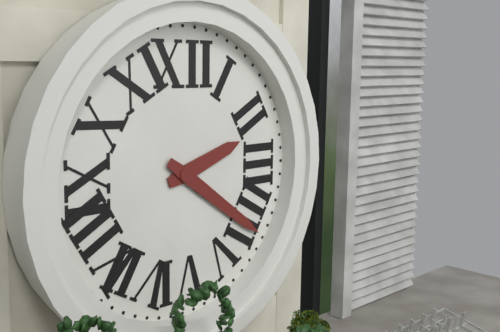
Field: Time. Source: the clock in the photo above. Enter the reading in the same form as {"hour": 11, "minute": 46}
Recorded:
{"hour": 2, "minute": 21}
